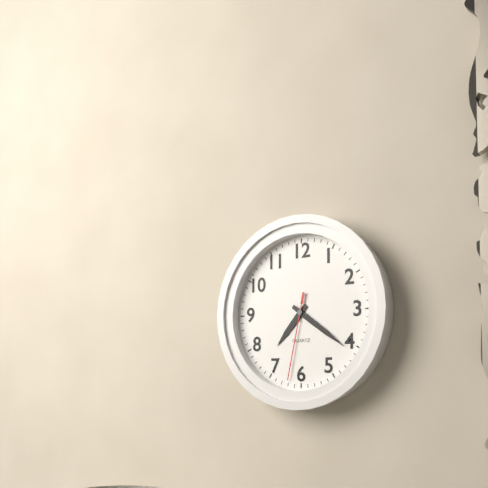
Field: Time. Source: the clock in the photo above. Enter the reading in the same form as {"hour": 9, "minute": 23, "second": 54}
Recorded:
{"hour": 7, "minute": 21, "second": 32}
